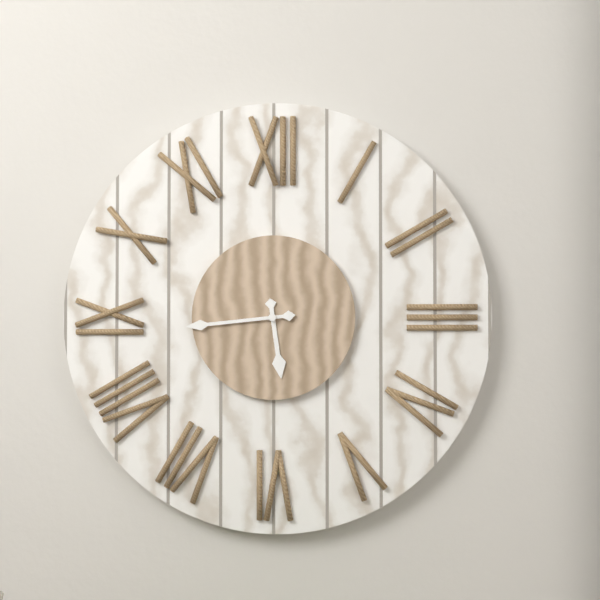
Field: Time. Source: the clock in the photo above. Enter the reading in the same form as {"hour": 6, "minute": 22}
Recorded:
{"hour": 5, "minute": 44}
